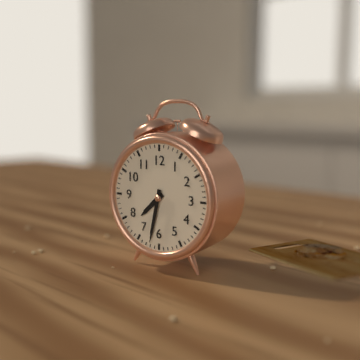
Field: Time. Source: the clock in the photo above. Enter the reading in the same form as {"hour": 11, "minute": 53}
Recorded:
{"hour": 7, "minute": 32}
